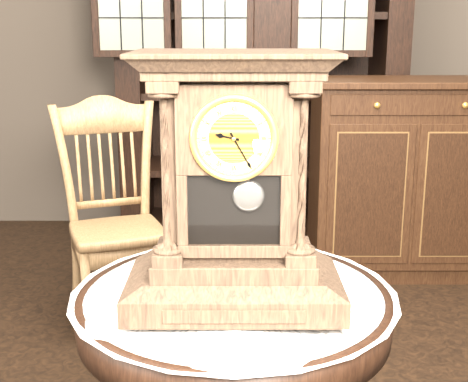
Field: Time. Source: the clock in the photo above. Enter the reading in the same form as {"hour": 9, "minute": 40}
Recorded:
{"hour": 9, "minute": 25}
